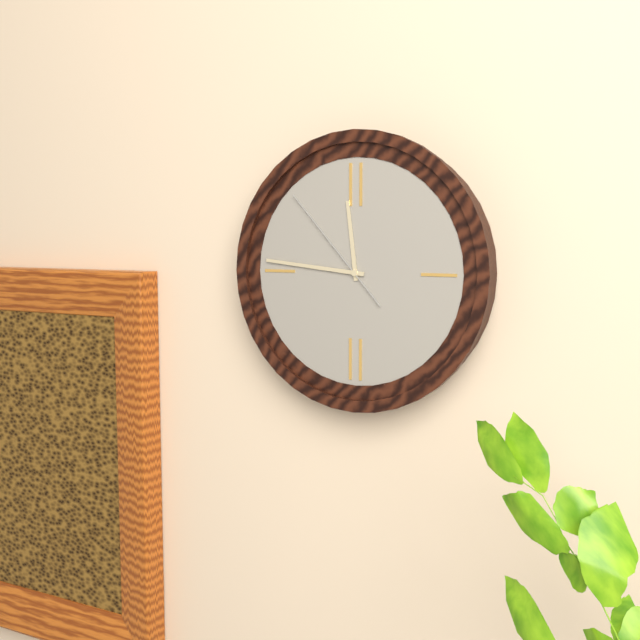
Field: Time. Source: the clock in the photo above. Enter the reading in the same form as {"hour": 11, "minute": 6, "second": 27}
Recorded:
{"hour": 11, "minute": 46, "second": 53}
